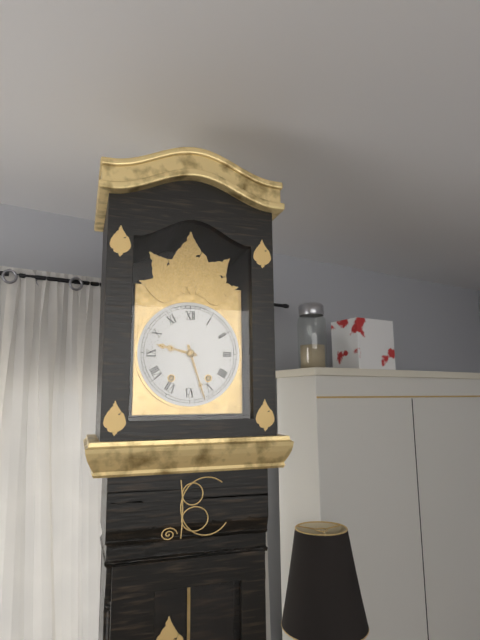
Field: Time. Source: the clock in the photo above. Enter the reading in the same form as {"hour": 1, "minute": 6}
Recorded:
{"hour": 9, "minute": 27}
